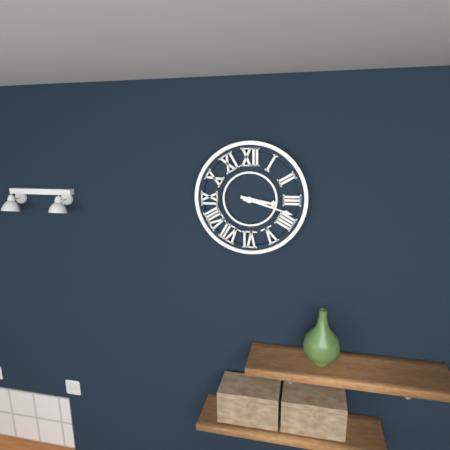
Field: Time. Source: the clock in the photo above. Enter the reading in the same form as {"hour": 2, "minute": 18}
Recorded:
{"hour": 3, "minute": 18}
